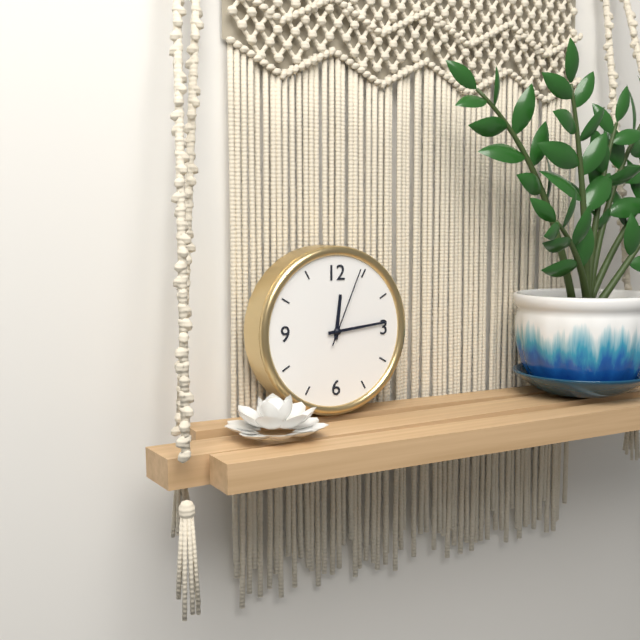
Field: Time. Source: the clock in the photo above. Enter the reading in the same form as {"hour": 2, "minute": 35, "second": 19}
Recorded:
{"hour": 12, "minute": 14, "second": 4}
